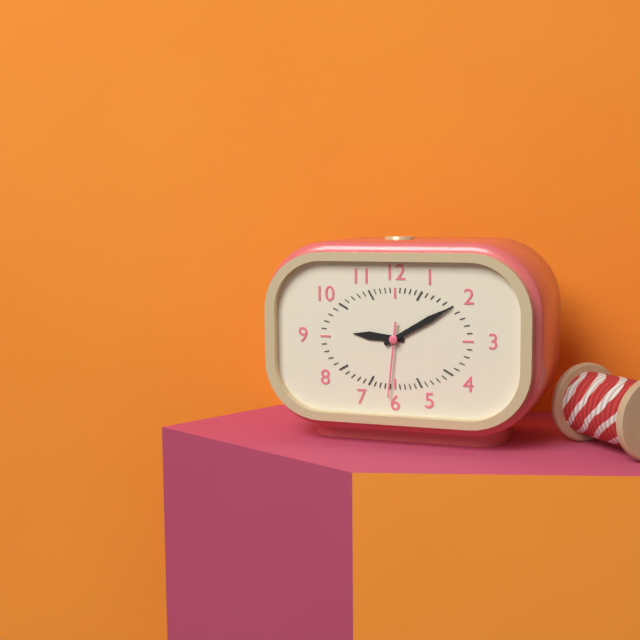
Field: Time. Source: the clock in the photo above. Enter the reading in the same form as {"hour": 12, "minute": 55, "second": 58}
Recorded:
{"hour": 9, "minute": 10, "second": 31}
